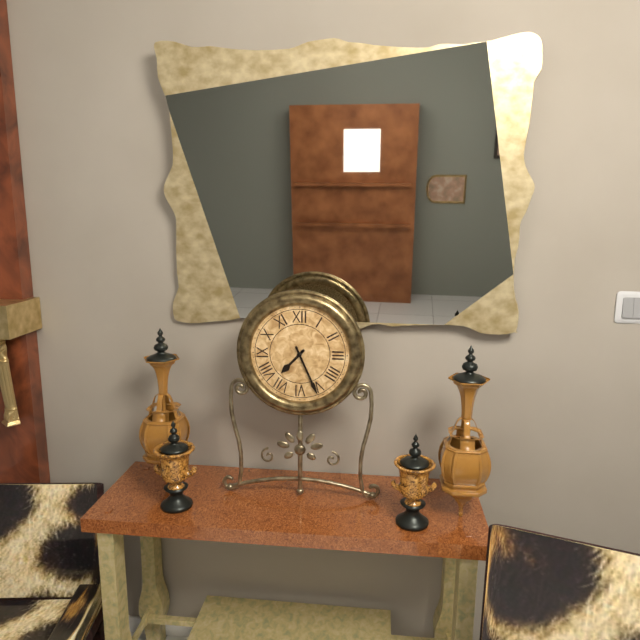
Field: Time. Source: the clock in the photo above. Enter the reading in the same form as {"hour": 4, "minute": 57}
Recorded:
{"hour": 7, "minute": 26}
